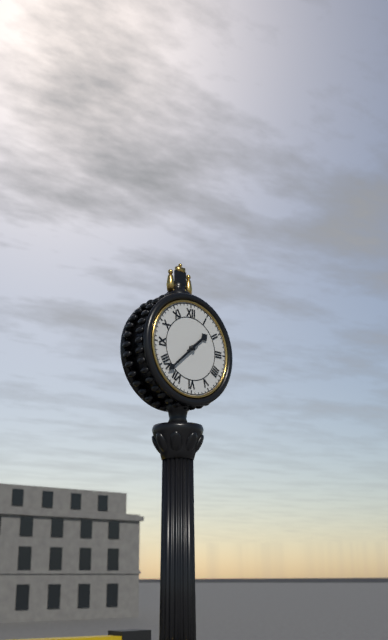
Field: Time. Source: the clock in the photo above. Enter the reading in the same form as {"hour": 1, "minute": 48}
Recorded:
{"hour": 1, "minute": 38}
